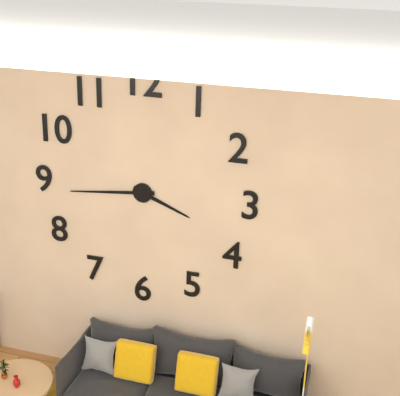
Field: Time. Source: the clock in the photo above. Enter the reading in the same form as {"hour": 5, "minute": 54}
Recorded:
{"hour": 3, "minute": 44}
